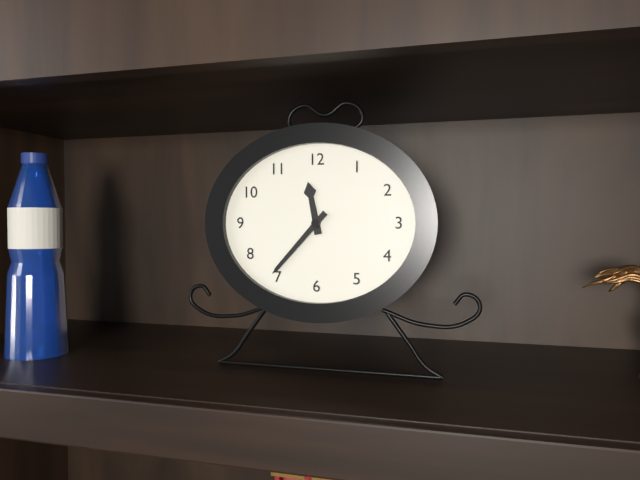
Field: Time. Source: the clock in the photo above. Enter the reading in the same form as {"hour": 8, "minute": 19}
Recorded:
{"hour": 11, "minute": 37}
